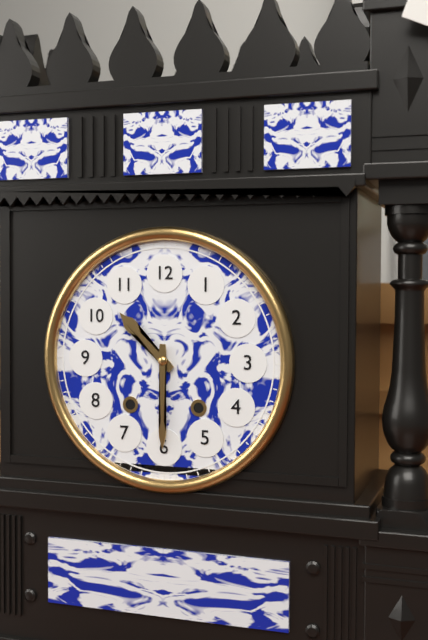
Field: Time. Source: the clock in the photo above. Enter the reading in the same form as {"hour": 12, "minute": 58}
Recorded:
{"hour": 10, "minute": 30}
